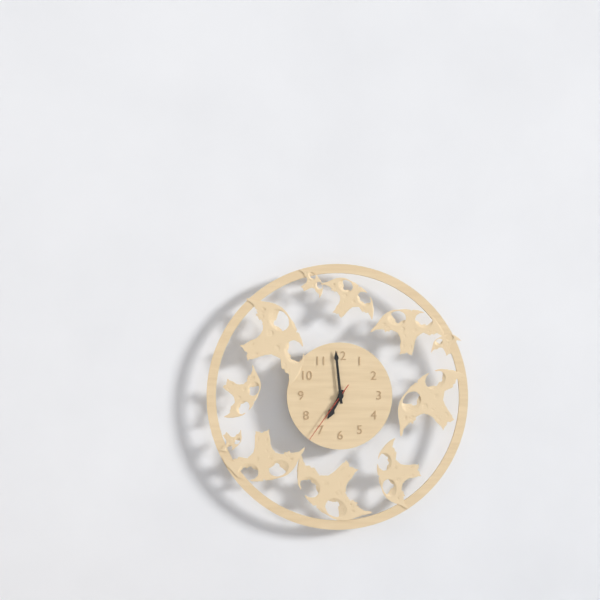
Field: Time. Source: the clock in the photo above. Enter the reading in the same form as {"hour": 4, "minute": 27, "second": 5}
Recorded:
{"hour": 6, "minute": 59, "second": 36}
